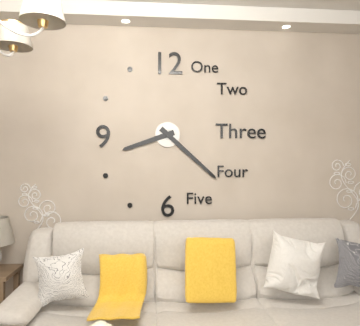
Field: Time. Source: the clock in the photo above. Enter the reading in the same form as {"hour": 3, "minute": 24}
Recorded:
{"hour": 8, "minute": 22}
